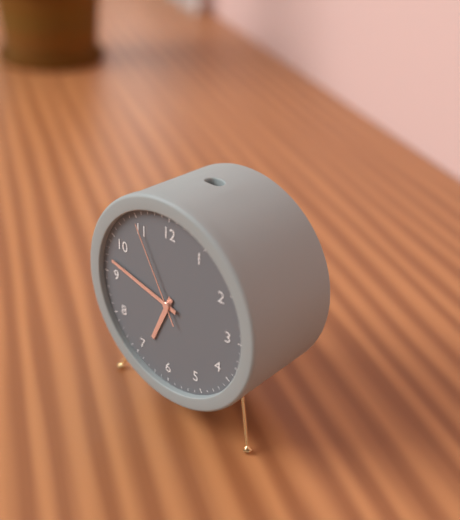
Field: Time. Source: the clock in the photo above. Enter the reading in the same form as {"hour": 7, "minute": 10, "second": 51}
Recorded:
{"hour": 6, "minute": 47, "second": 55}
